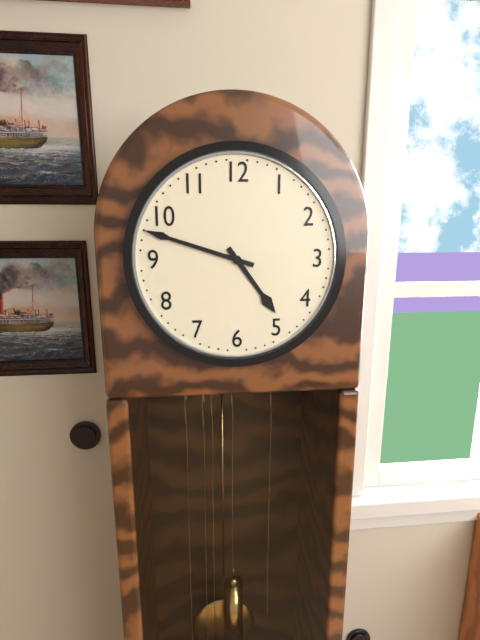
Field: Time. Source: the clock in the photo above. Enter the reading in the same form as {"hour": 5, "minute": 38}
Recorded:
{"hour": 4, "minute": 48}
